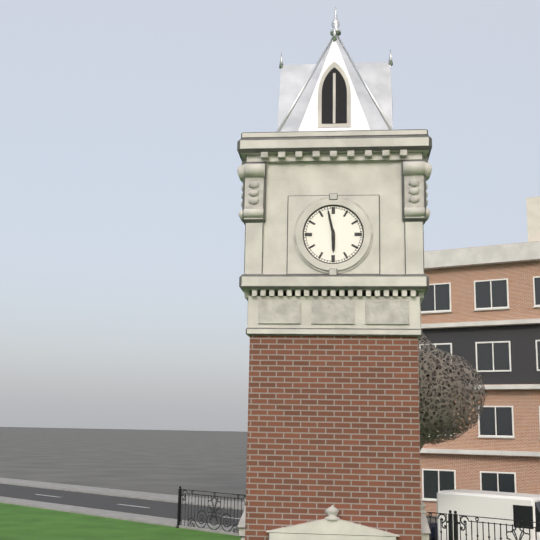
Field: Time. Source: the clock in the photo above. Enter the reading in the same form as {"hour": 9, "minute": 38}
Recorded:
{"hour": 5, "minute": 58}
